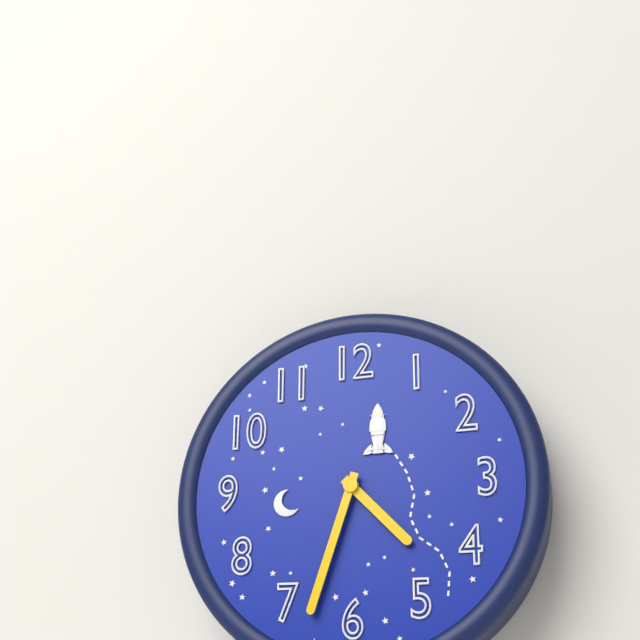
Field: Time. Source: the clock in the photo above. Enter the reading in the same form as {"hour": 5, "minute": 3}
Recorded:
{"hour": 4, "minute": 33}
